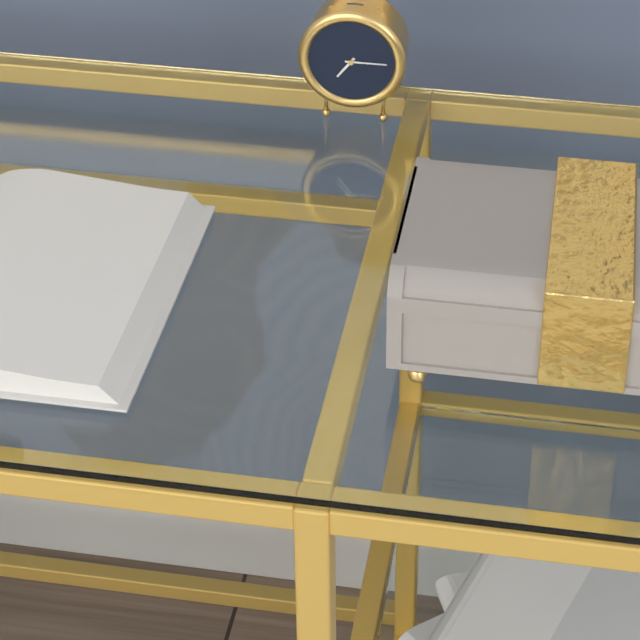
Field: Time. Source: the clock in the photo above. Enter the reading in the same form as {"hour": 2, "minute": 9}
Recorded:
{"hour": 7, "minute": 15}
